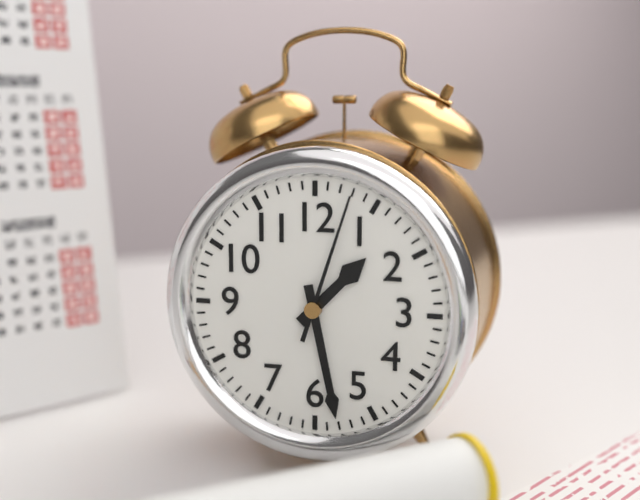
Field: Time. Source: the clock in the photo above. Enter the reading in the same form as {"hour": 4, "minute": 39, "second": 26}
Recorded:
{"hour": 1, "minute": 28, "second": 3}
